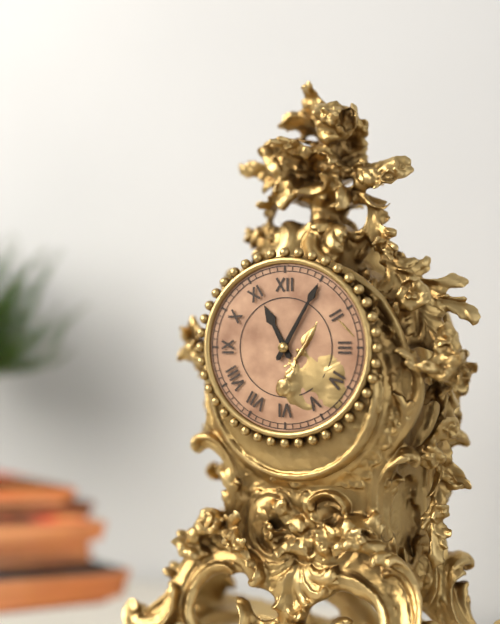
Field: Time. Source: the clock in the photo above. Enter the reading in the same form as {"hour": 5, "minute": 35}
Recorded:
{"hour": 11, "minute": 5}
